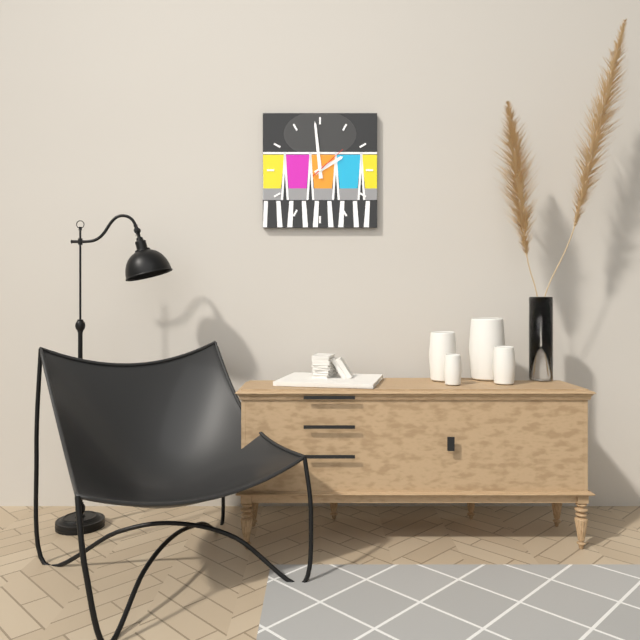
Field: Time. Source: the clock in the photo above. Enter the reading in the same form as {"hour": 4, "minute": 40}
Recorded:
{"hour": 1, "minute": 59}
